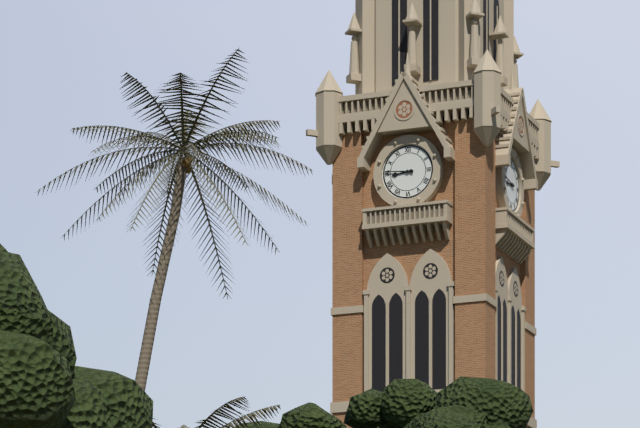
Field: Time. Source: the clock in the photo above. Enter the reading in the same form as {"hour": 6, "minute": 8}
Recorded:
{"hour": 8, "minute": 46}
